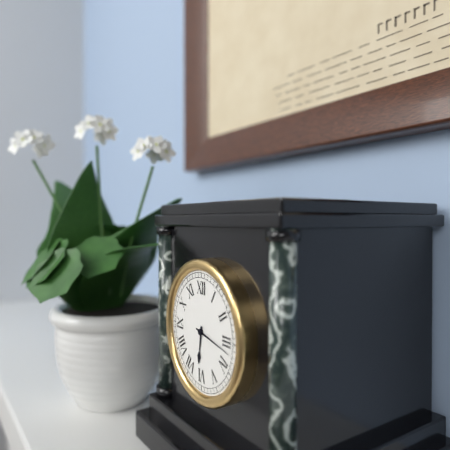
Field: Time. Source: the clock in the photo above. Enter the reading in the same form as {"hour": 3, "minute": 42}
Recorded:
{"hour": 6, "minute": 17}
